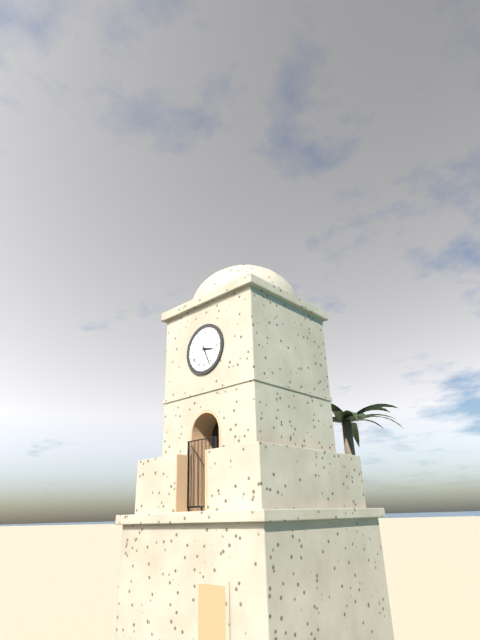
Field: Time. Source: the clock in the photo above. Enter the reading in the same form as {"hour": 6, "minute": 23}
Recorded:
{"hour": 3, "minute": 26}
